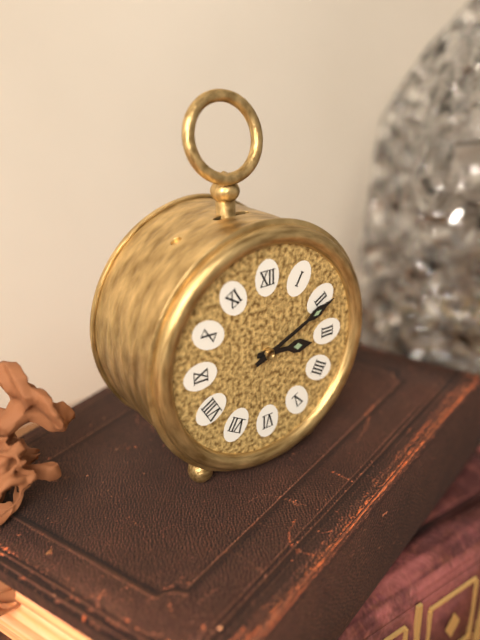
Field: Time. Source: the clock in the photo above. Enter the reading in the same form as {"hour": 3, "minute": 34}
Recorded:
{"hour": 3, "minute": 11}
